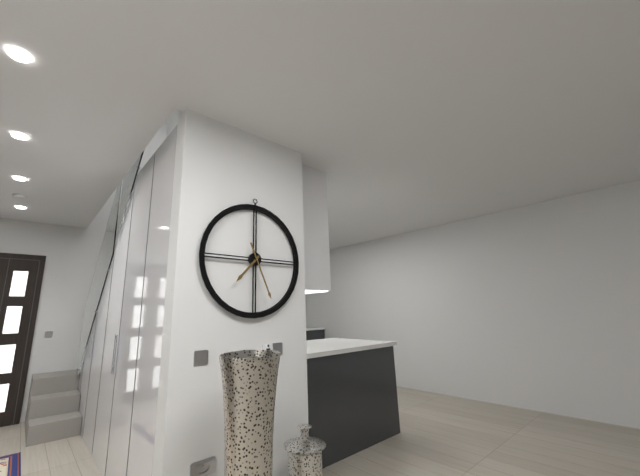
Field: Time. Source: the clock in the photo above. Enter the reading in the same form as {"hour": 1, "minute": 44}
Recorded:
{"hour": 7, "minute": 26}
